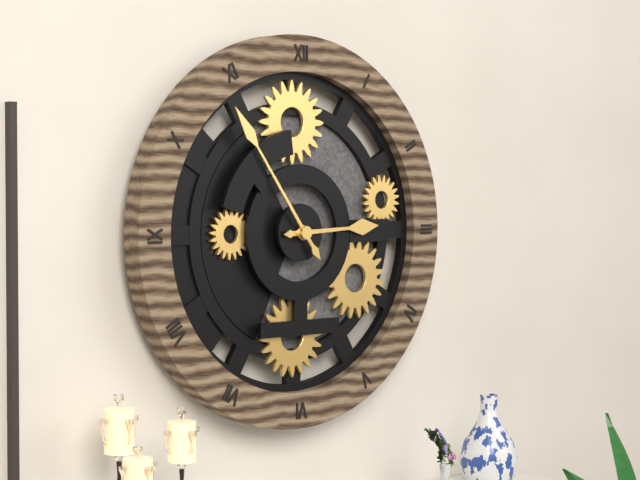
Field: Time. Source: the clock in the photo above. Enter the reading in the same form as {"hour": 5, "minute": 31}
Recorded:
{"hour": 2, "minute": 54}
